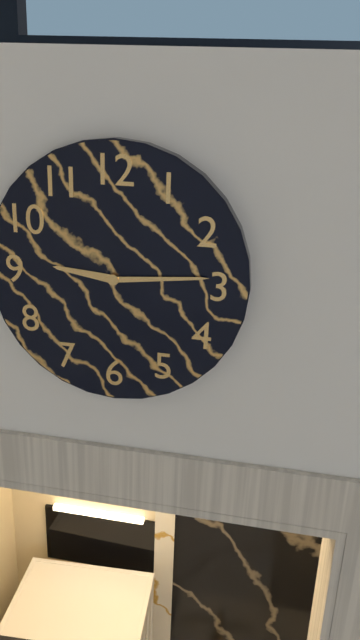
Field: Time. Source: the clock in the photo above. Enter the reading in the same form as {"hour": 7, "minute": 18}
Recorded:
{"hour": 9, "minute": 14}
